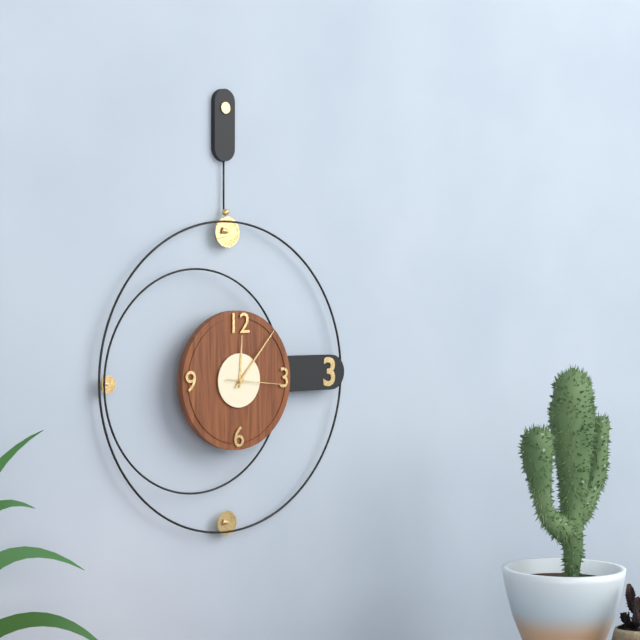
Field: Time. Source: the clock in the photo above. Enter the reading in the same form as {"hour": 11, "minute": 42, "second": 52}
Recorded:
{"hour": 12, "minute": 7, "second": 16}
